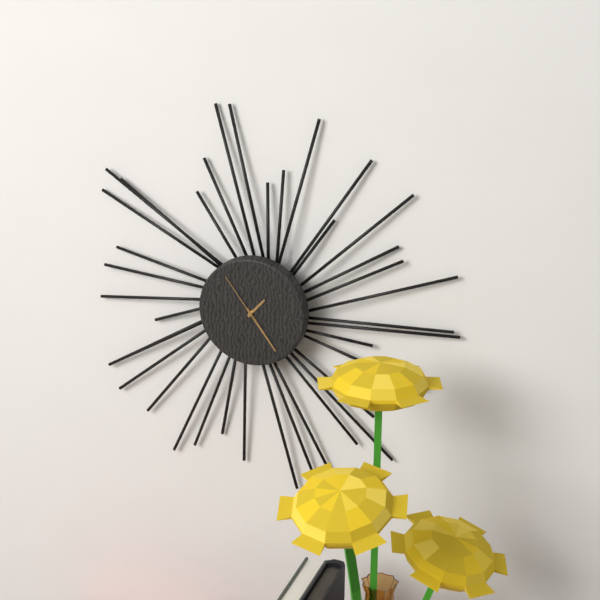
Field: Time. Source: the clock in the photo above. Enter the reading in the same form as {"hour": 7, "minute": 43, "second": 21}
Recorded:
{"hour": 1, "minute": 24, "second": 54}
